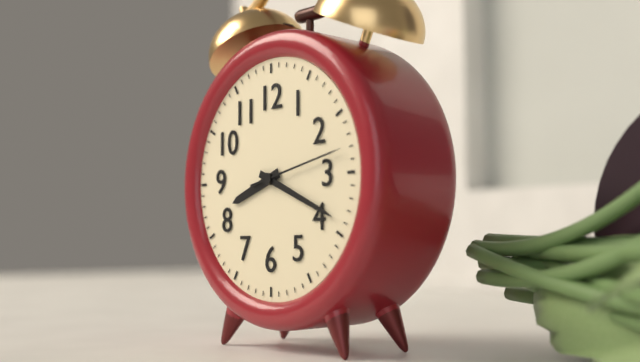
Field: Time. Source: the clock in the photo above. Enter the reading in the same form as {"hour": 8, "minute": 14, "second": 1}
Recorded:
{"hour": 8, "minute": 19, "second": 13}
